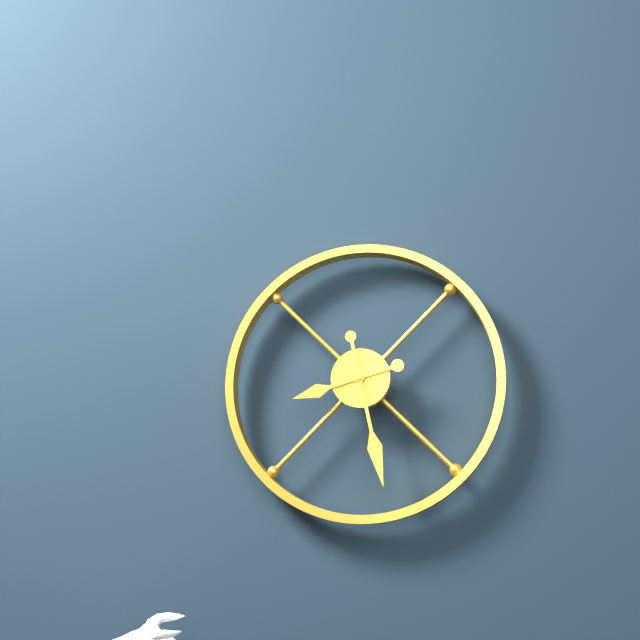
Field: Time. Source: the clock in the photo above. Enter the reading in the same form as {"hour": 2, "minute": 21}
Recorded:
{"hour": 8, "minute": 28}
